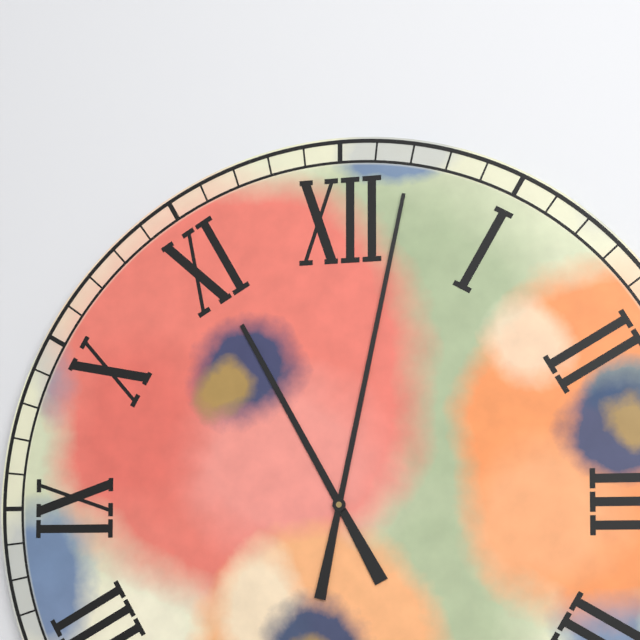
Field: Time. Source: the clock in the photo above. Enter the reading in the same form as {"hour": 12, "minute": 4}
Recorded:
{"hour": 11, "minute": 2}
